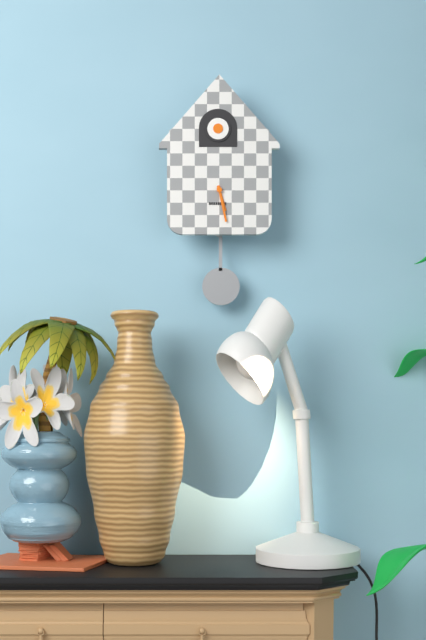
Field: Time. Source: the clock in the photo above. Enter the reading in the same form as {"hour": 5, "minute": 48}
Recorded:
{"hour": 5, "minute": 28}
